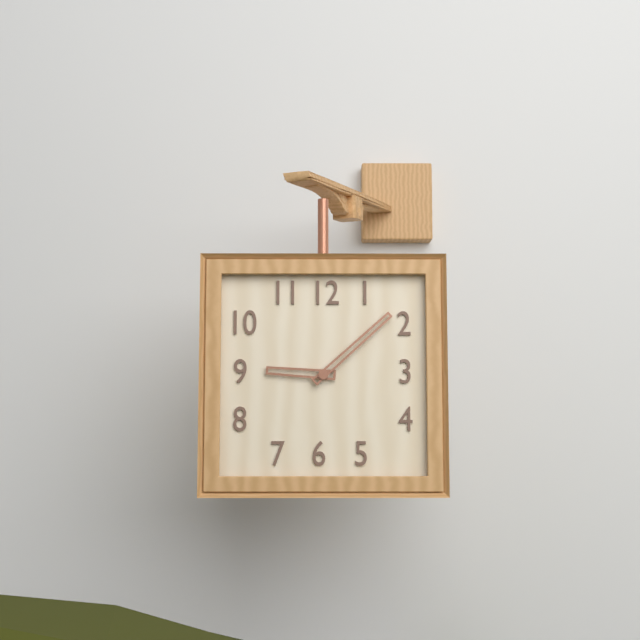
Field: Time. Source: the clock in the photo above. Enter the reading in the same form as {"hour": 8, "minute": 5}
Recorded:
{"hour": 9, "minute": 8}
